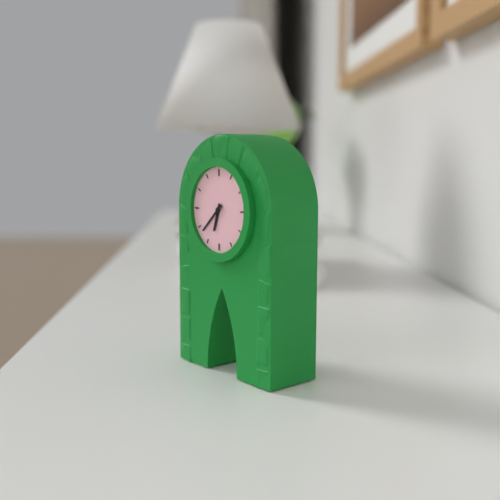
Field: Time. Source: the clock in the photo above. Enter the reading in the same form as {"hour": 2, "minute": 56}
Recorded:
{"hour": 6, "minute": 38}
